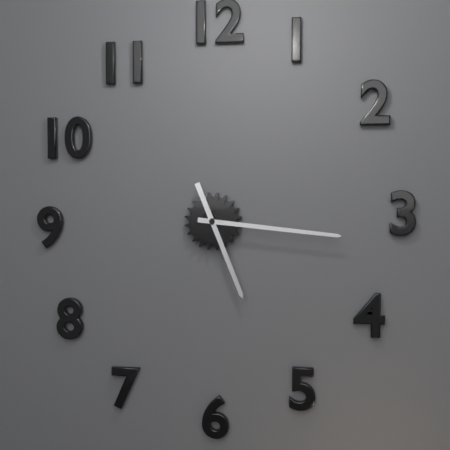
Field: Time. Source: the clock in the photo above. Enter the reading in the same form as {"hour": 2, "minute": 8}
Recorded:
{"hour": 5, "minute": 16}
